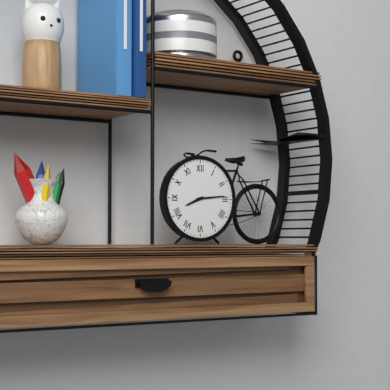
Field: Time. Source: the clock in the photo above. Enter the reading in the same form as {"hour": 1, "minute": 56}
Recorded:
{"hour": 8, "minute": 14}
